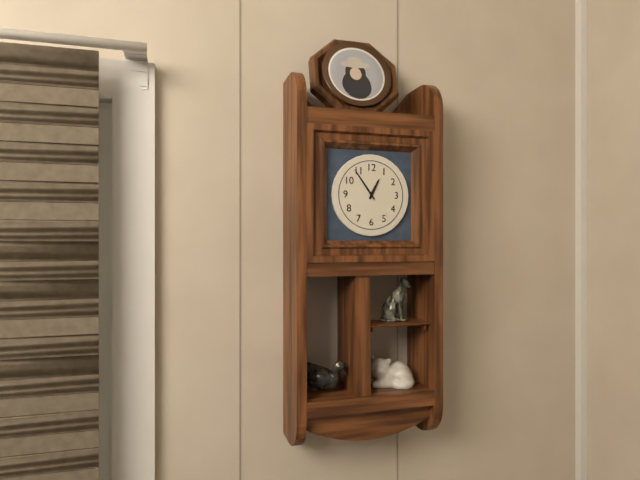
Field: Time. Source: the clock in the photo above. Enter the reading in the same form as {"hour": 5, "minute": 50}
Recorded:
{"hour": 12, "minute": 54}
